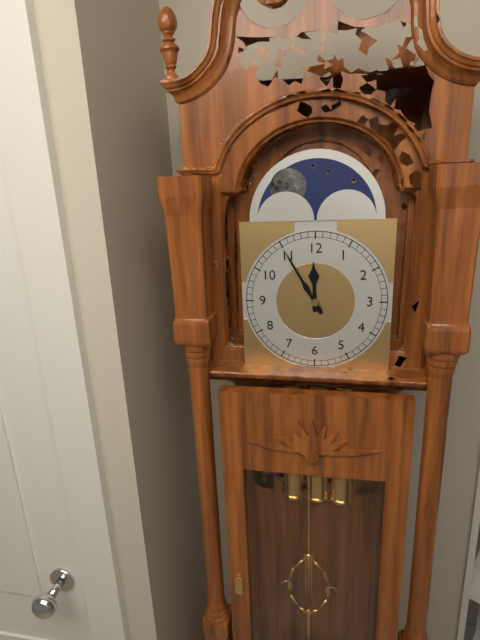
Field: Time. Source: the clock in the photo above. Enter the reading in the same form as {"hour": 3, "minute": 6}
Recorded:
{"hour": 11, "minute": 55}
